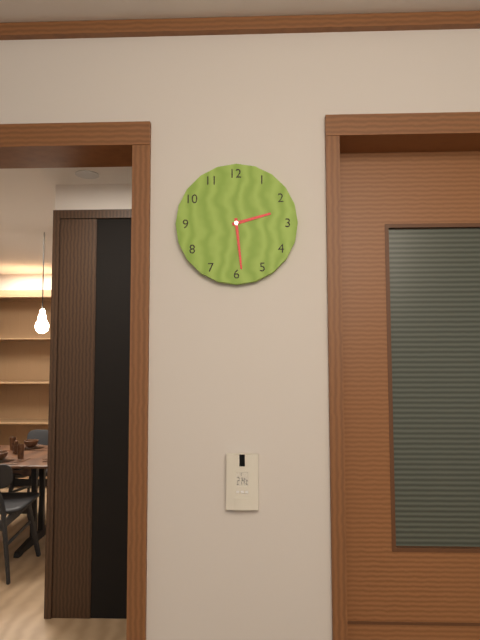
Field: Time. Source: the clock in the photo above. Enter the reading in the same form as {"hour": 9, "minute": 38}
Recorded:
{"hour": 2, "minute": 29}
